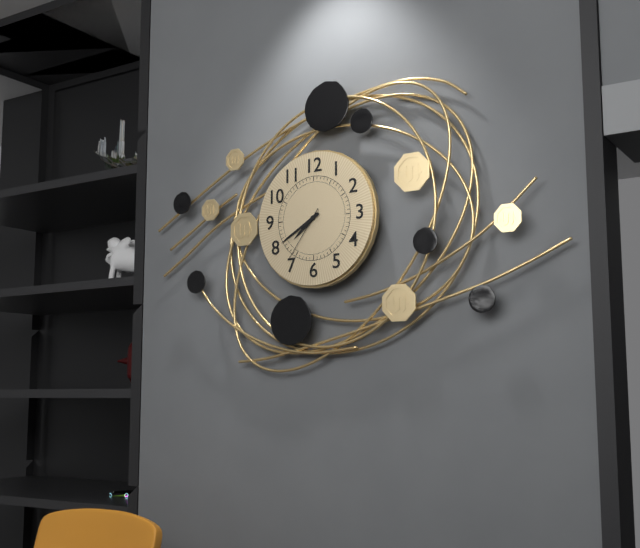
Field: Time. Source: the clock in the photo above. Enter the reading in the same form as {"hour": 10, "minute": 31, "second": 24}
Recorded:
{"hour": 7, "minute": 40, "second": 36}
